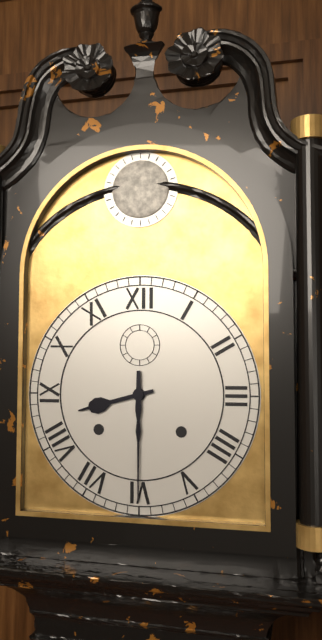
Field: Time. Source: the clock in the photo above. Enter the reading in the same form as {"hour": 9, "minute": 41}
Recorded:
{"hour": 8, "minute": 30}
